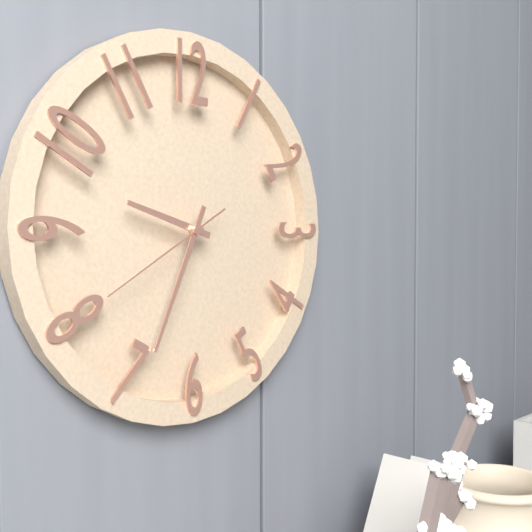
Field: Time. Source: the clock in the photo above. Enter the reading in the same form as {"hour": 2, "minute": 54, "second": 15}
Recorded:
{"hour": 9, "minute": 34, "second": 40}
